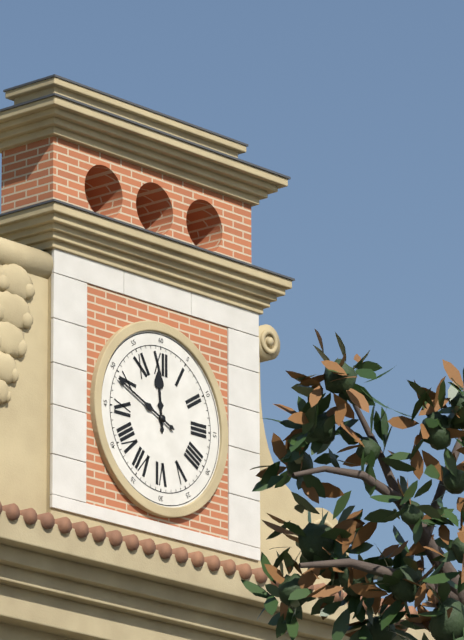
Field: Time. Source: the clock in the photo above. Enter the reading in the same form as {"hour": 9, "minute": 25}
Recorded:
{"hour": 11, "minute": 49}
